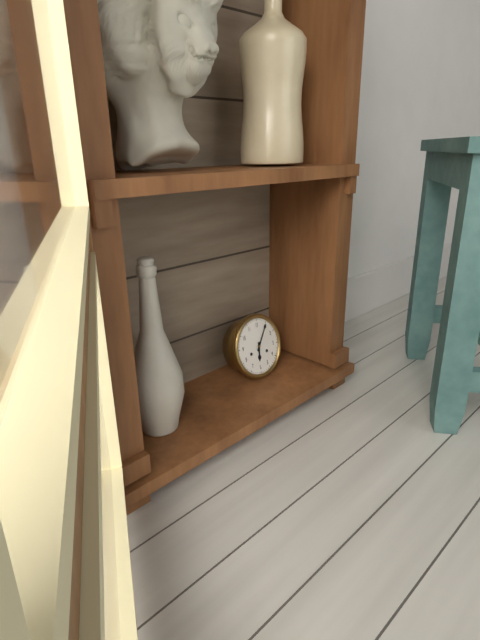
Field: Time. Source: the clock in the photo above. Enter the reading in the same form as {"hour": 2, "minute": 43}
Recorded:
{"hour": 6, "minute": 5}
